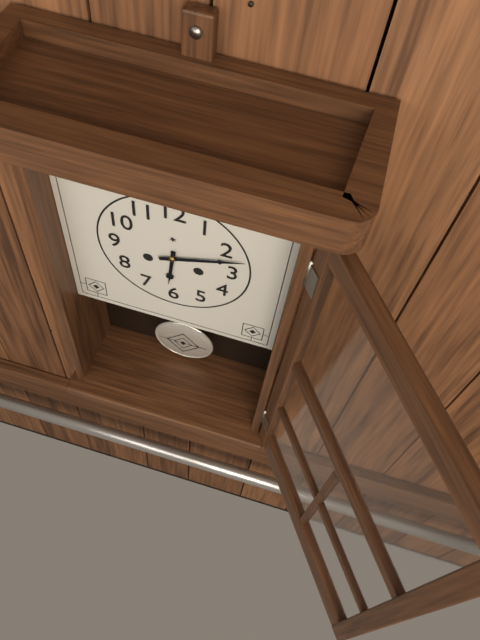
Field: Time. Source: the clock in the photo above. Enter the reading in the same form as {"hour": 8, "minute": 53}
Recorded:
{"hour": 6, "minute": 12}
